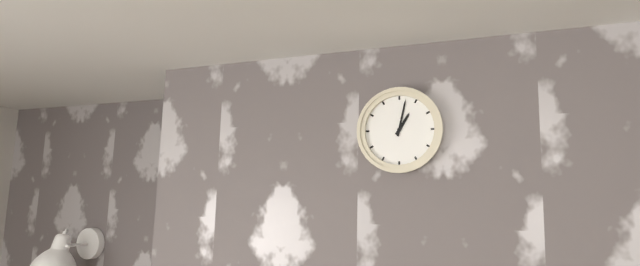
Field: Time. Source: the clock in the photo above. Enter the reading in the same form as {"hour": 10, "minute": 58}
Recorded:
{"hour": 1, "minute": 2}
